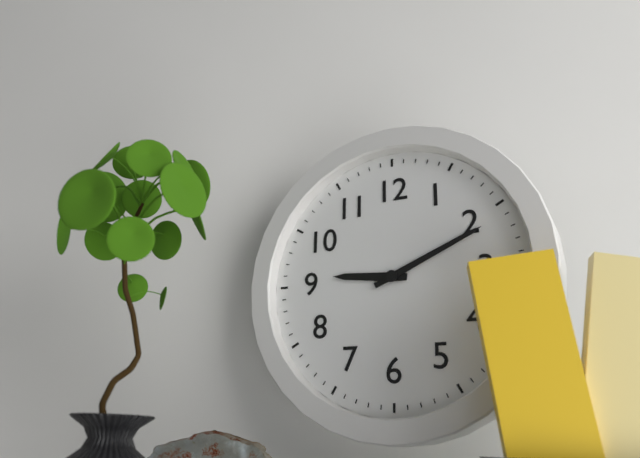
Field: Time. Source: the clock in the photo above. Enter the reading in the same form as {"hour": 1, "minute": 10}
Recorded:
{"hour": 9, "minute": 11}
